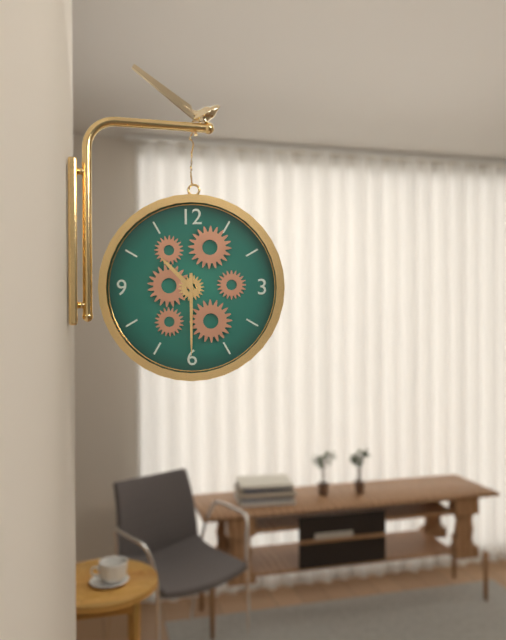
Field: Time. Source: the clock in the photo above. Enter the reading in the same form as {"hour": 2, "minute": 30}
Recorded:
{"hour": 10, "minute": 30}
